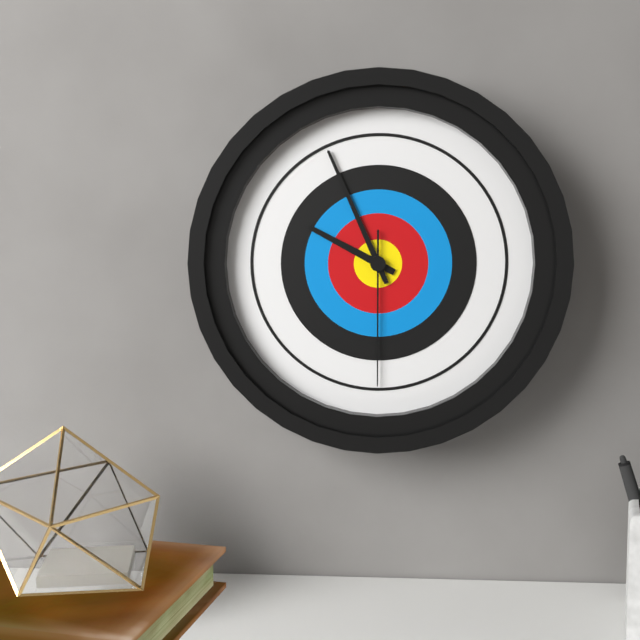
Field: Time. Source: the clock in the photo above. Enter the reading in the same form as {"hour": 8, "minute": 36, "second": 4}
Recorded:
{"hour": 9, "minute": 56, "second": 30}
